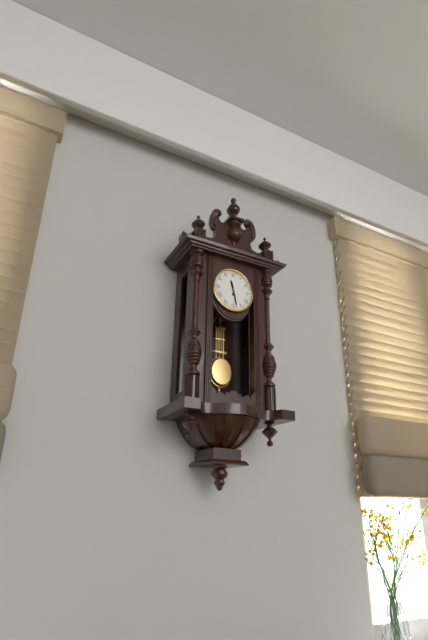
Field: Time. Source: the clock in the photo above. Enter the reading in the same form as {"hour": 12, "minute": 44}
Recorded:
{"hour": 11, "minute": 28}
